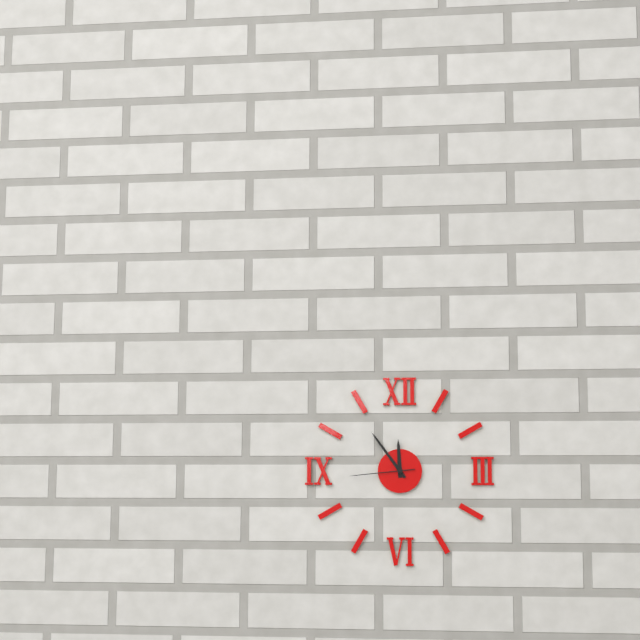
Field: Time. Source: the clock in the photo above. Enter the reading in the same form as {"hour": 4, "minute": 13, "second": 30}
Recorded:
{"hour": 11, "minute": 54, "second": 44}
